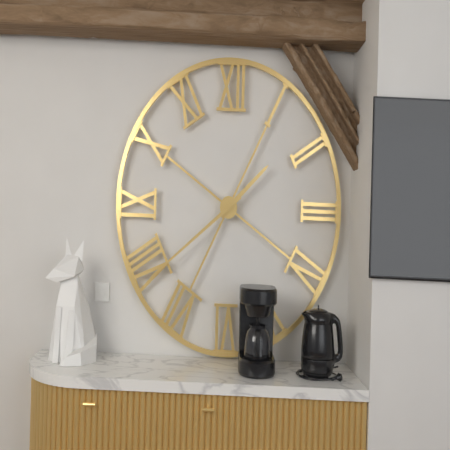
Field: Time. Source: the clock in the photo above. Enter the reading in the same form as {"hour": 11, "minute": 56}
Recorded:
{"hour": 1, "minute": 39}
